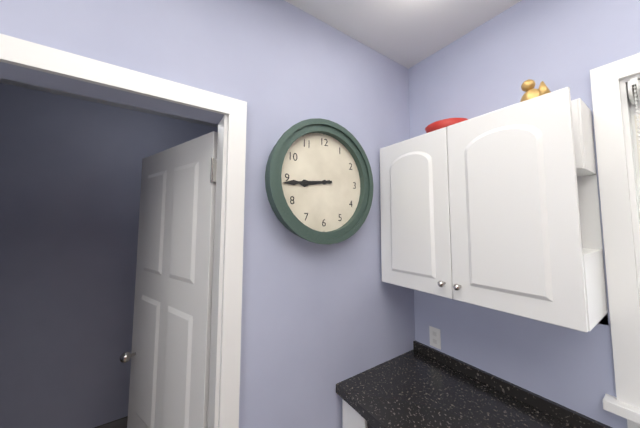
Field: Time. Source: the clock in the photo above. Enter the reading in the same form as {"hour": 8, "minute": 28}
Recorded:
{"hour": 8, "minute": 44}
